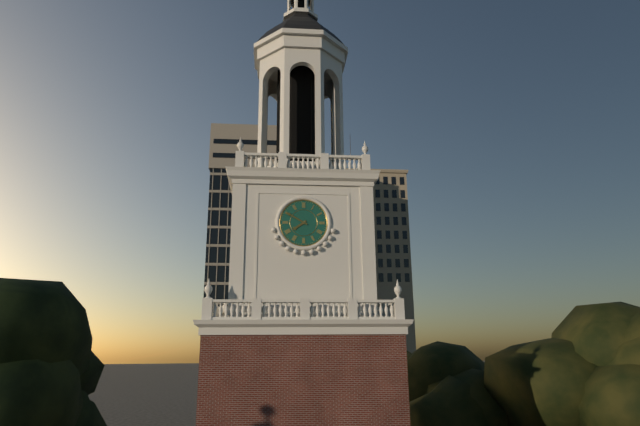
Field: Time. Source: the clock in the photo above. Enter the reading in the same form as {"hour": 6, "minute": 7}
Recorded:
{"hour": 7, "minute": 50}
